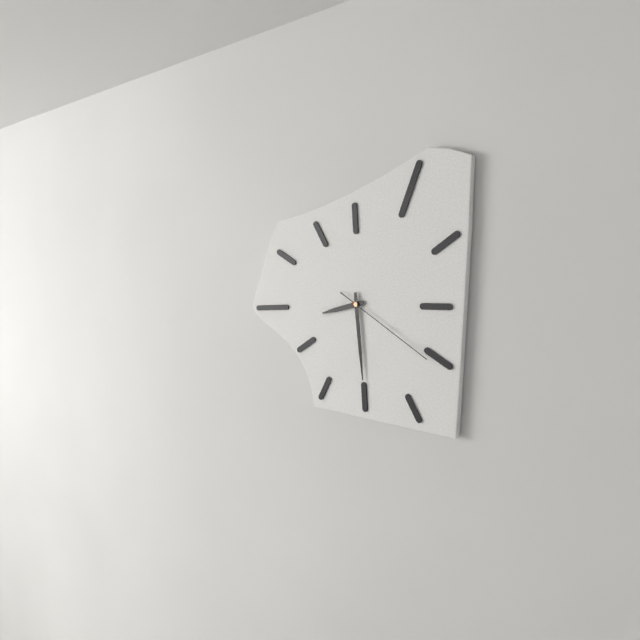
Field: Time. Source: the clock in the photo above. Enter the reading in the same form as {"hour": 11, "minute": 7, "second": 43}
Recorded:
{"hour": 8, "minute": 29, "second": 20}
